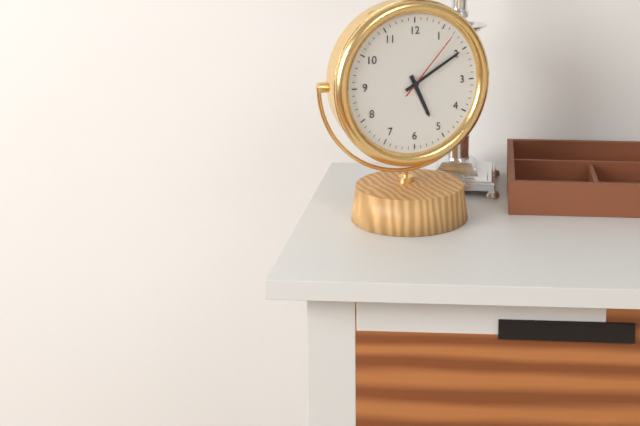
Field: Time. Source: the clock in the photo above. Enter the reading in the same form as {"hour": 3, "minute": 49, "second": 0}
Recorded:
{"hour": 5, "minute": 10, "second": 7}
